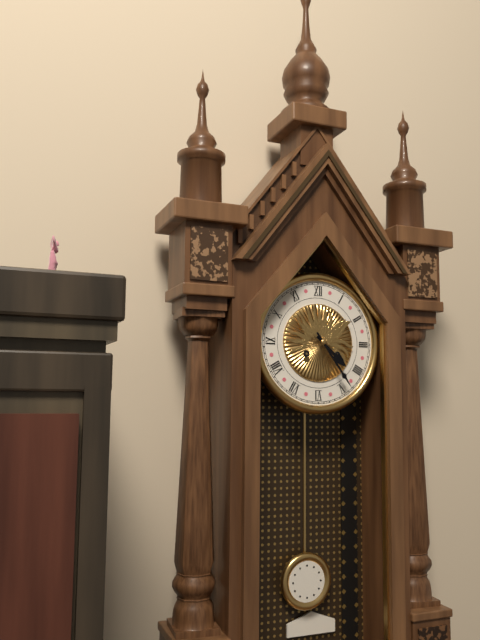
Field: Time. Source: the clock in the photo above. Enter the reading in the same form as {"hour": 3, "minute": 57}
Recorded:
{"hour": 4, "minute": 24}
